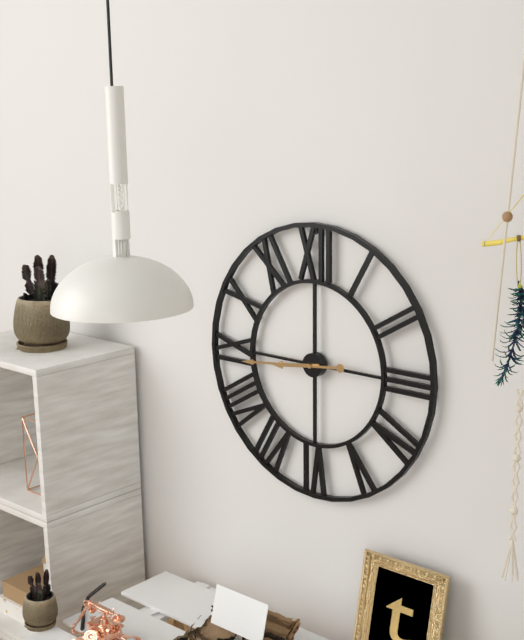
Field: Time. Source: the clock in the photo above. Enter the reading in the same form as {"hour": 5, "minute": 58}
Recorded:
{"hour": 8, "minute": 44}
